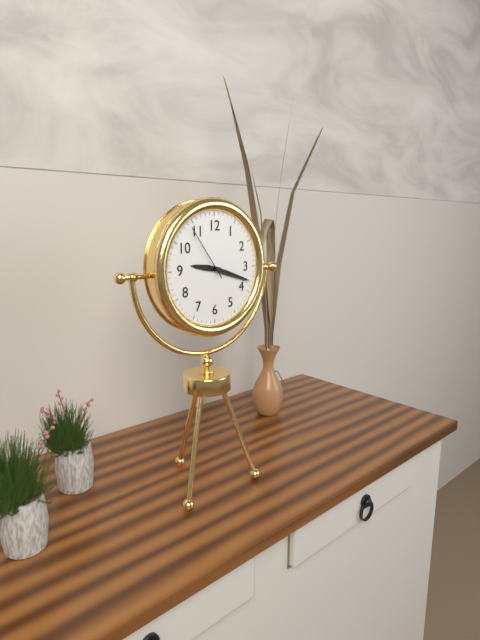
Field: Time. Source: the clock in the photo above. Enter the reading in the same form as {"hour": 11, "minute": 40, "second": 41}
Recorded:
{"hour": 9, "minute": 18, "second": 54}
